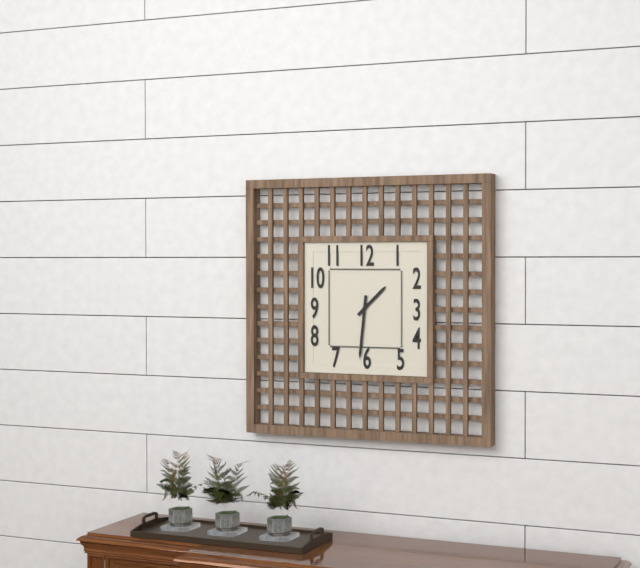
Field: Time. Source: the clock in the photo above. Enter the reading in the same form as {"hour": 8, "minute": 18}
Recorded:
{"hour": 1, "minute": 31}
